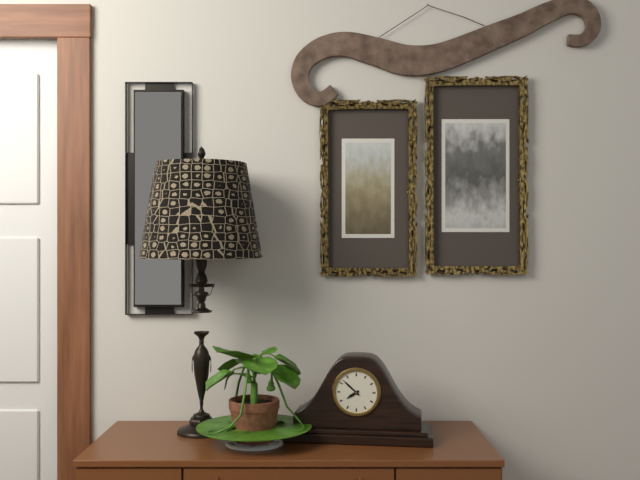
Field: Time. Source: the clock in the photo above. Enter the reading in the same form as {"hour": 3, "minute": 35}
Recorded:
{"hour": 7, "minute": 52}
